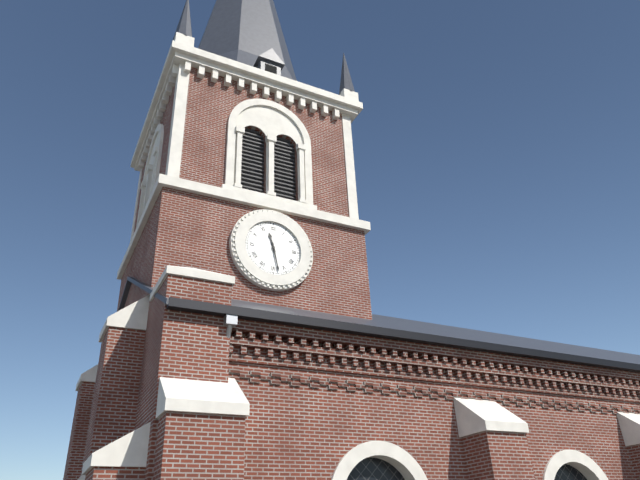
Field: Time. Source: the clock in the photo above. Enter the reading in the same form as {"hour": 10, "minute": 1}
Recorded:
{"hour": 11, "minute": 28}
